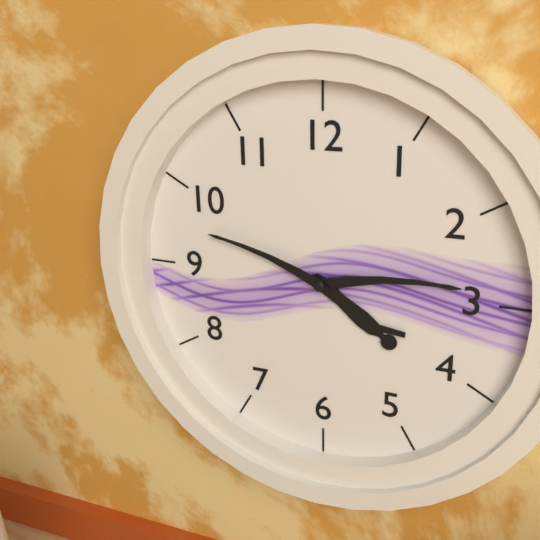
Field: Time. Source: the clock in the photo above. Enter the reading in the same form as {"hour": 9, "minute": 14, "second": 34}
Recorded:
{"hour": 4, "minute": 14, "second": 48}
